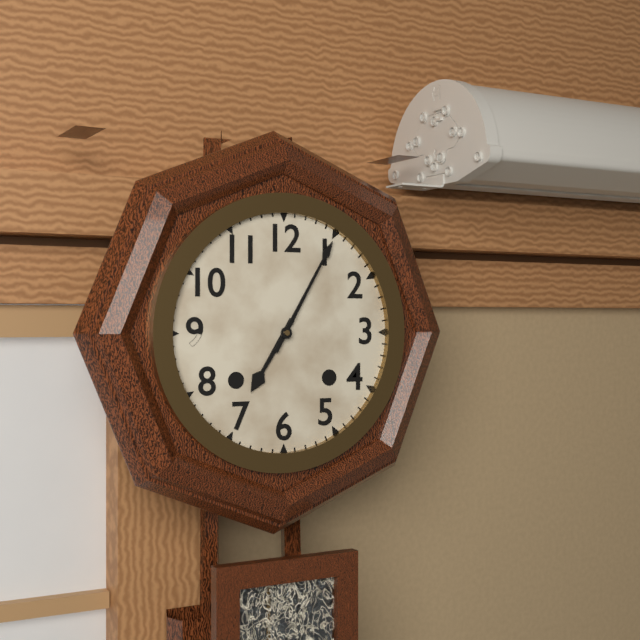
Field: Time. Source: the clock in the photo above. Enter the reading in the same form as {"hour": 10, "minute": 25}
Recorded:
{"hour": 7, "minute": 5}
